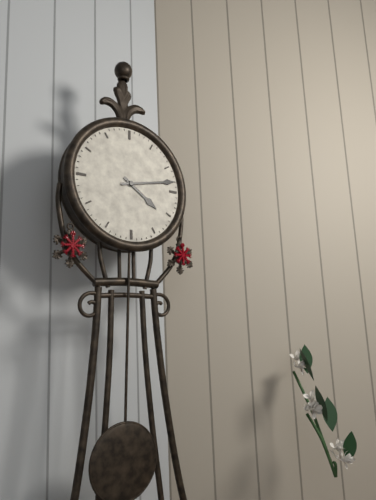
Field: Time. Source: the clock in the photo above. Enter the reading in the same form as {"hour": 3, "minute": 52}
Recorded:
{"hour": 4, "minute": 13}
